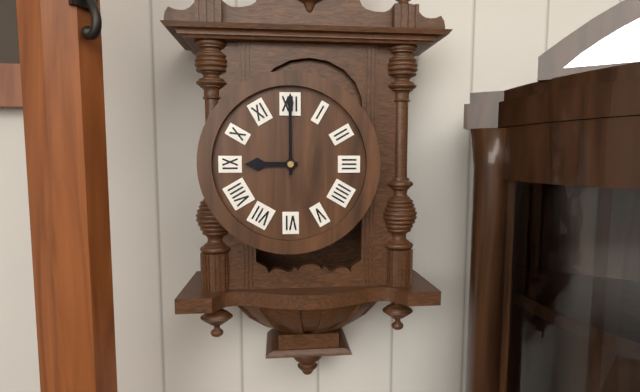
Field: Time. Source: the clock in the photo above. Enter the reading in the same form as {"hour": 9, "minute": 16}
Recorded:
{"hour": 9, "minute": 0}
